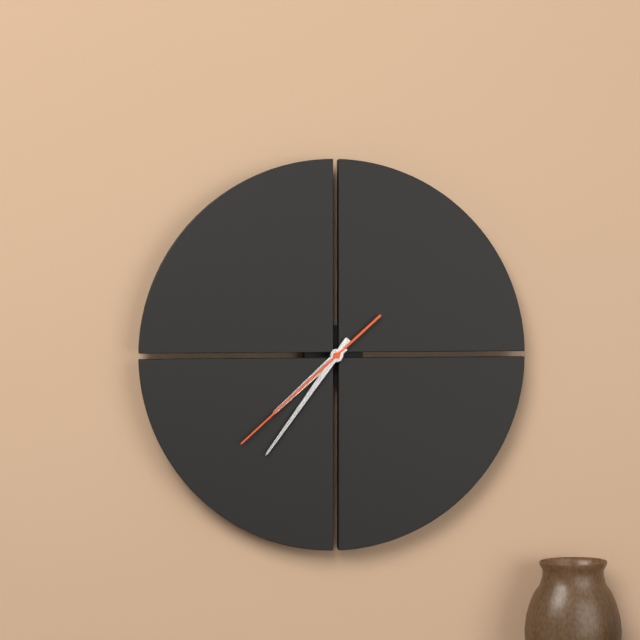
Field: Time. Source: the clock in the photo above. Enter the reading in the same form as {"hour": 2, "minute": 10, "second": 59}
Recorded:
{"hour": 7, "minute": 36, "second": 38}
